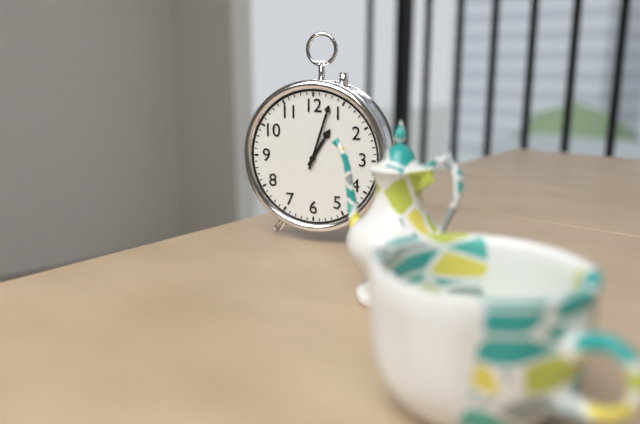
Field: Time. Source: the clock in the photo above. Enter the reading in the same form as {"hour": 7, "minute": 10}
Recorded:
{"hour": 1, "minute": 3}
